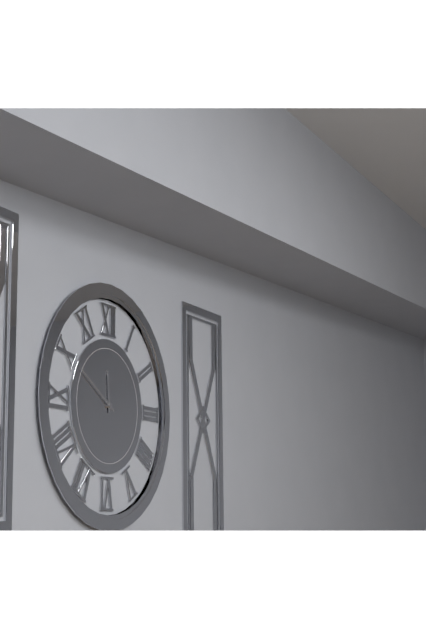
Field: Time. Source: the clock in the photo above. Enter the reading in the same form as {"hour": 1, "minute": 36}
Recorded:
{"hour": 11, "minute": 50}
